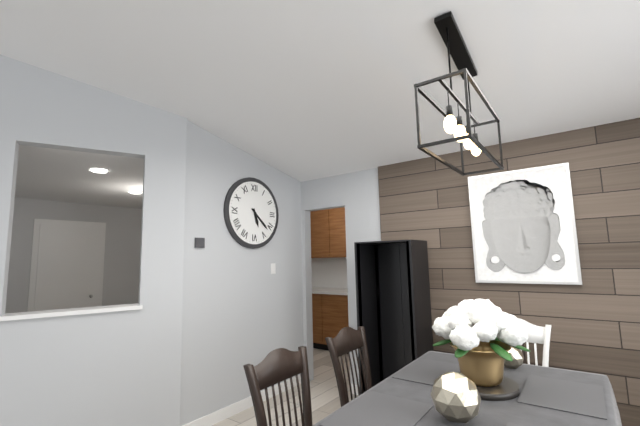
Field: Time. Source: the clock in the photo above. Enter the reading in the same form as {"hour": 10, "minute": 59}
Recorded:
{"hour": 5, "minute": 22}
